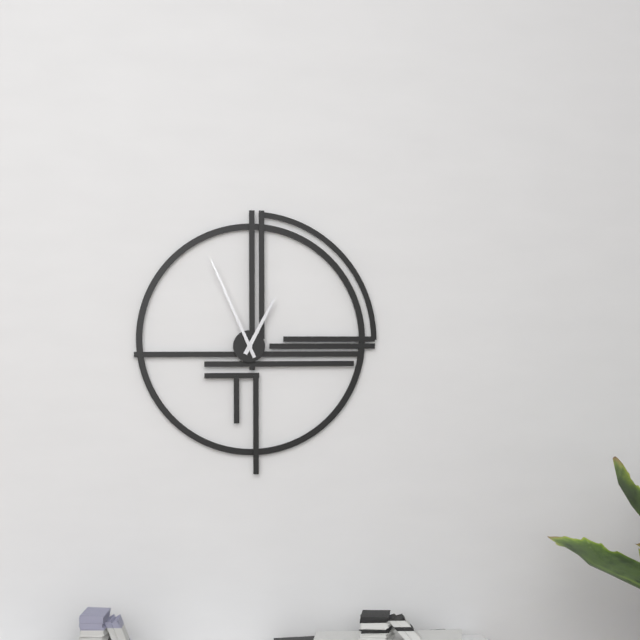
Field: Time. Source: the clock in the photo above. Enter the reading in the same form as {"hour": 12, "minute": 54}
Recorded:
{"hour": 12, "minute": 56}
